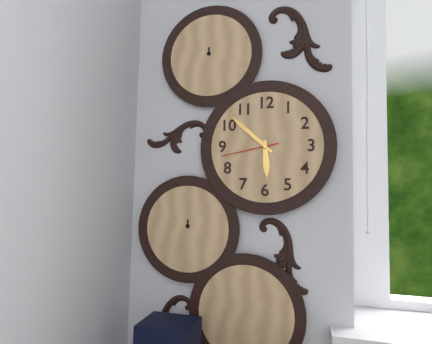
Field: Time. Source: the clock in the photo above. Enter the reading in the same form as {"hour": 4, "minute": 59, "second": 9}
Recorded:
{"hour": 5, "minute": 52, "second": 43}
